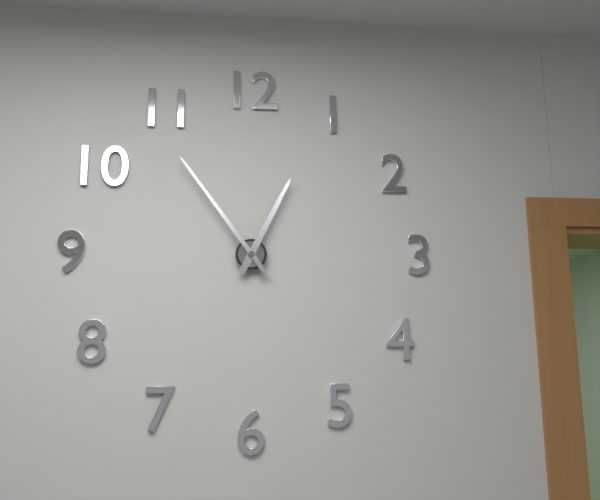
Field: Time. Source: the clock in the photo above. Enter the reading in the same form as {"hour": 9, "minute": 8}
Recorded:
{"hour": 12, "minute": 54}
